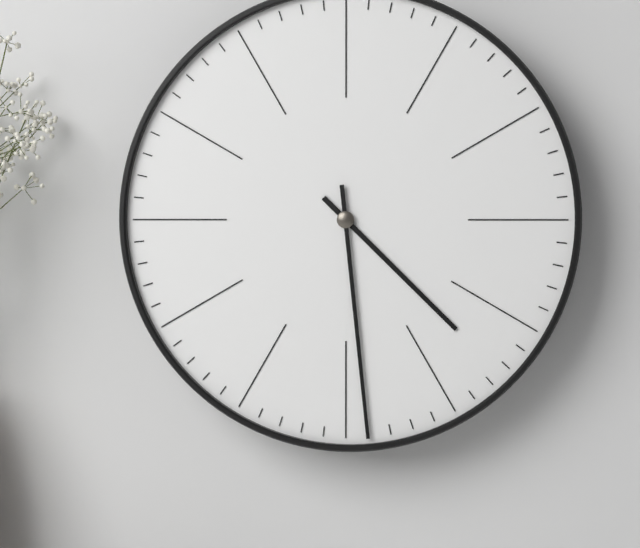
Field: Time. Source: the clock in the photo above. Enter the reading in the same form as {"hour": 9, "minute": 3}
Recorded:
{"hour": 4, "minute": 29}
